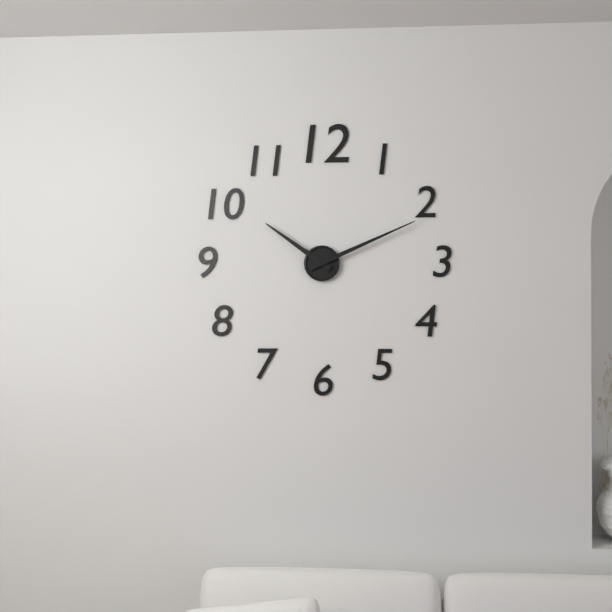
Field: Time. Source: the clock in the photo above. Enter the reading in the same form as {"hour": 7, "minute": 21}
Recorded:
{"hour": 10, "minute": 11}
